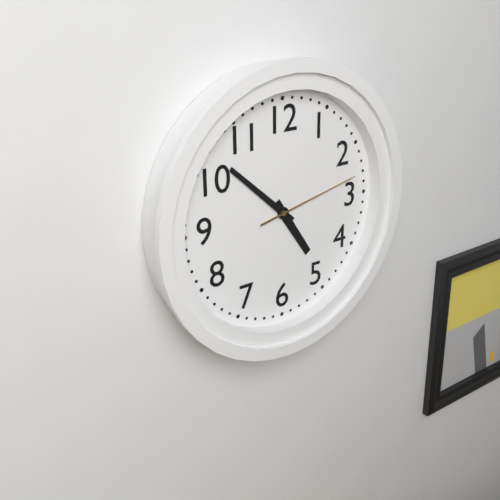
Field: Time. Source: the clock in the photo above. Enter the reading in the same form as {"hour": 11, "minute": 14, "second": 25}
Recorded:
{"hour": 4, "minute": 52, "second": 13}
